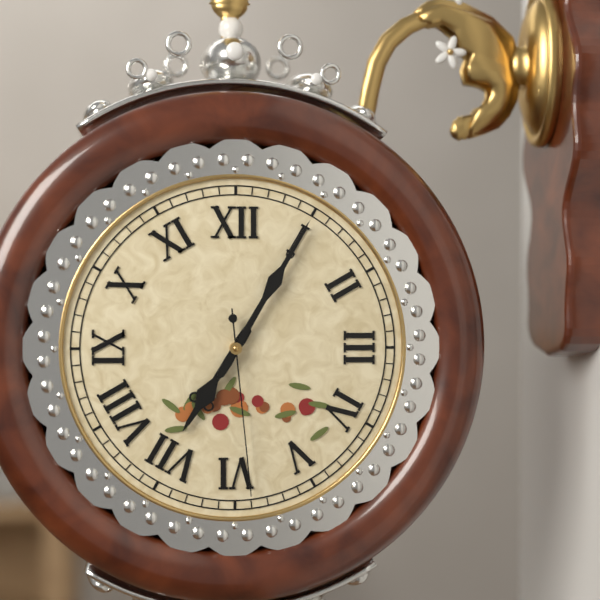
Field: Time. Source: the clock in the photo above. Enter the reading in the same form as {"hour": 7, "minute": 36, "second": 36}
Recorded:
{"hour": 7, "minute": 5, "second": 29}
